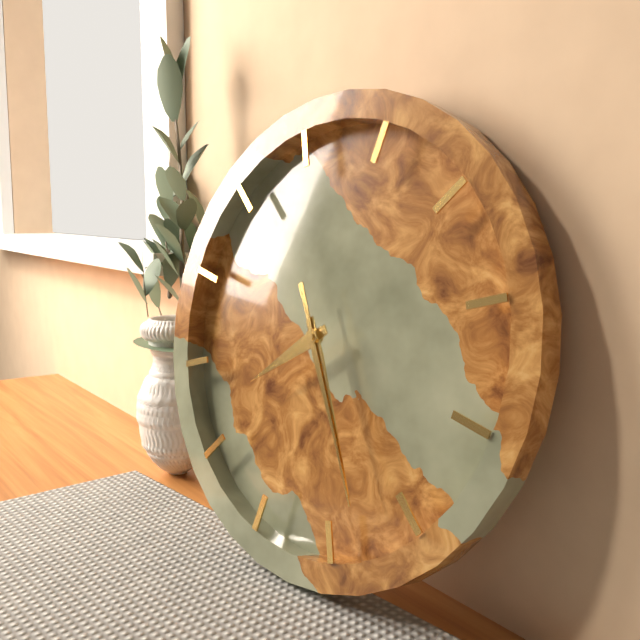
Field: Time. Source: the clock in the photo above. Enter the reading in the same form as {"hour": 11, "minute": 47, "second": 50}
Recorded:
{"hour": 7, "minute": 23, "second": 23}
